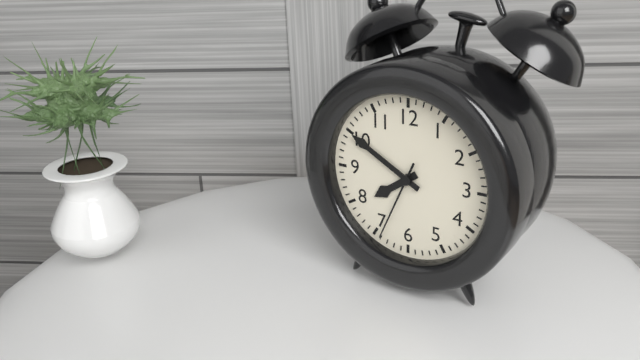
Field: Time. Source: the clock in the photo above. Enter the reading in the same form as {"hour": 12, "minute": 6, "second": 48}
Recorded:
{"hour": 7, "minute": 50, "second": 34}
